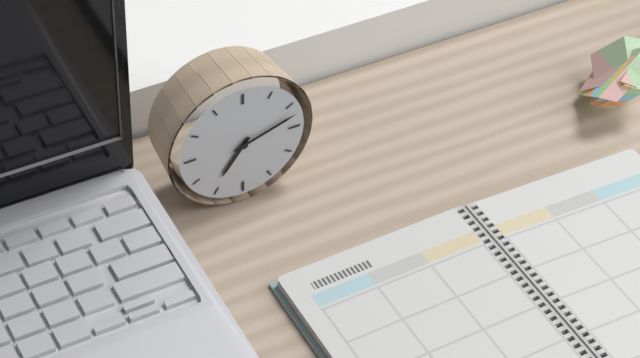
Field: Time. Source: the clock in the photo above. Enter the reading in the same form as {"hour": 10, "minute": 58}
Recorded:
{"hour": 7, "minute": 12}
